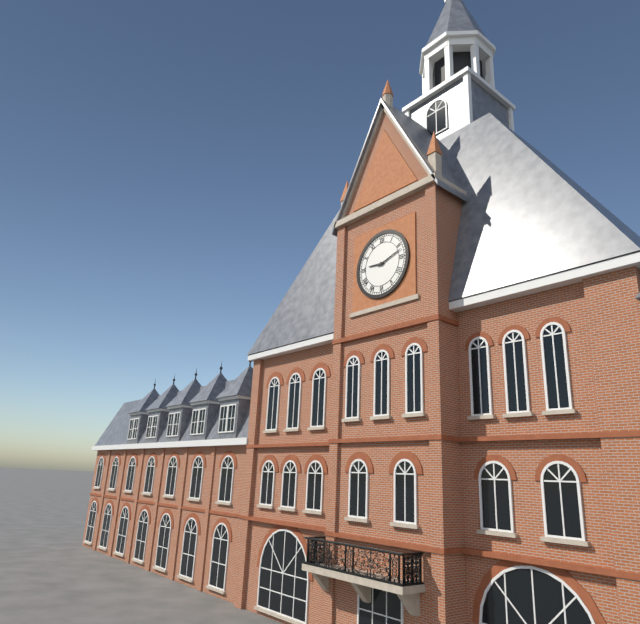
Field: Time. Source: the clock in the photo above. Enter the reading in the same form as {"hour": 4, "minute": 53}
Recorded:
{"hour": 9, "minute": 12}
